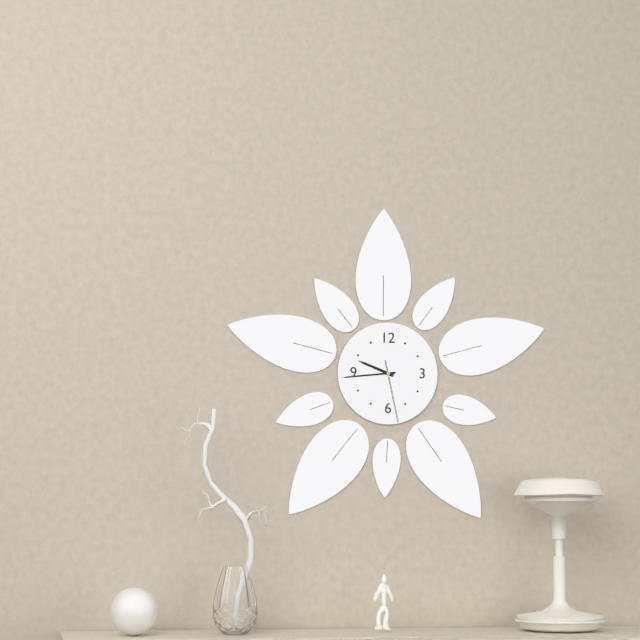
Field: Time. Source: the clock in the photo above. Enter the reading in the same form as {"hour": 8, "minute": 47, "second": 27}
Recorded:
{"hour": 9, "minute": 44, "second": 28}
